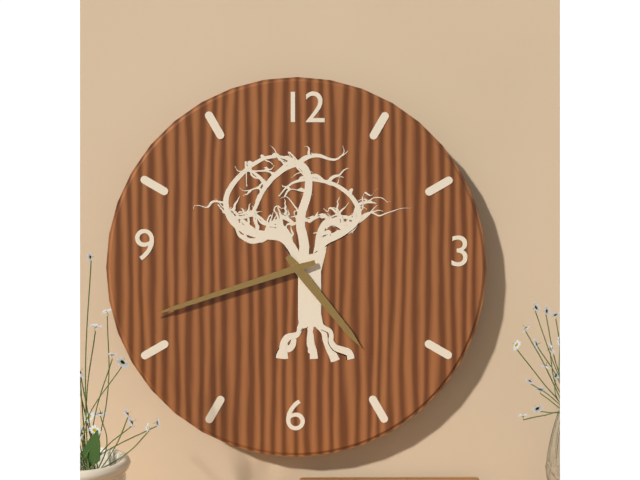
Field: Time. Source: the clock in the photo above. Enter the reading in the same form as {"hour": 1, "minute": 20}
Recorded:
{"hour": 4, "minute": 42}
